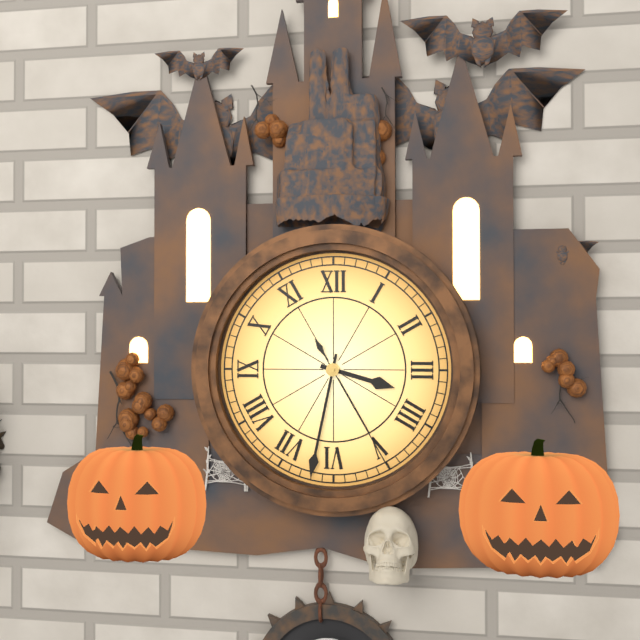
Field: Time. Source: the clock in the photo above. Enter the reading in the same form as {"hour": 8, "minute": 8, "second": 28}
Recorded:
{"hour": 3, "minute": 32, "second": 25}
